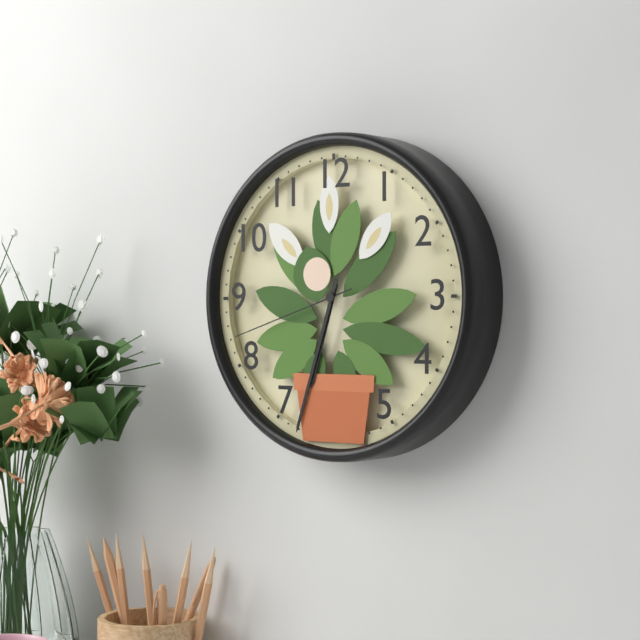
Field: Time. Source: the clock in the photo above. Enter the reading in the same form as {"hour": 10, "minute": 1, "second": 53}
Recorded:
{"hour": 6, "minute": 33, "second": 42}
